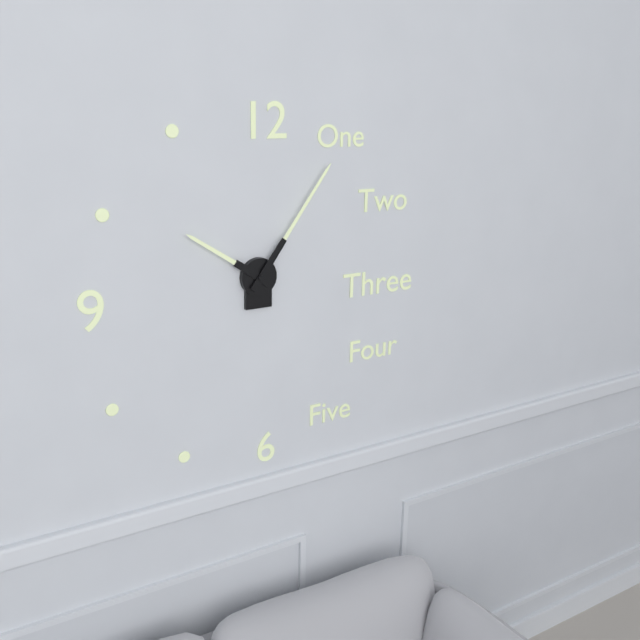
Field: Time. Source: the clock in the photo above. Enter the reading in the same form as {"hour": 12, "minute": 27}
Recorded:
{"hour": 10, "minute": 6}
